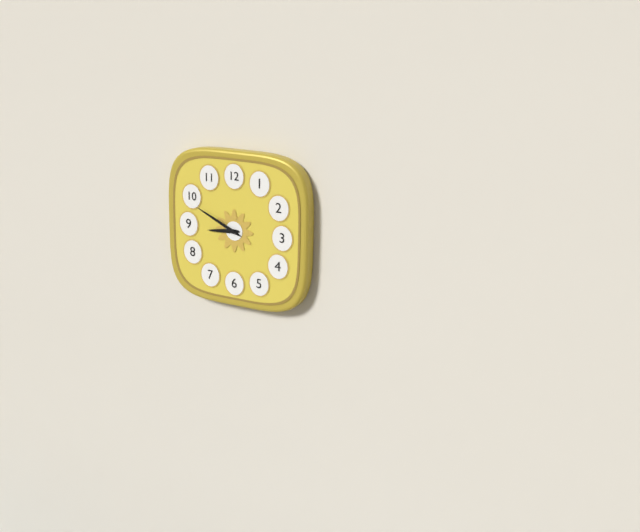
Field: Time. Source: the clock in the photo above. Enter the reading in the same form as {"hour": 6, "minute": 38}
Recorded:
{"hour": 8, "minute": 49}
